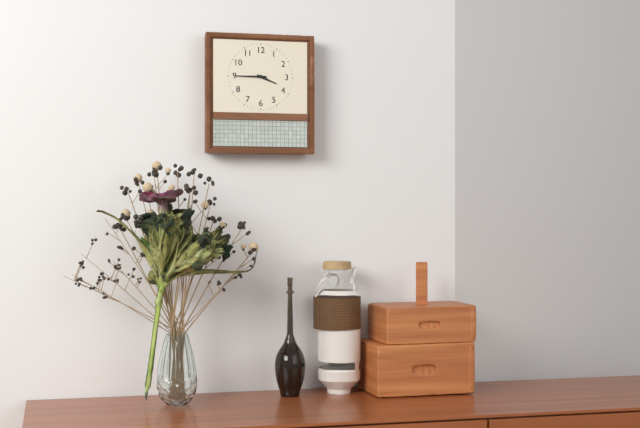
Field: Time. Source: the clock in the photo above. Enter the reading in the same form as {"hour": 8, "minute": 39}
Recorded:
{"hour": 3, "minute": 45}
